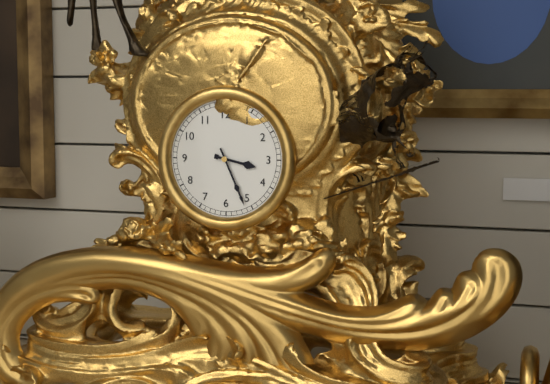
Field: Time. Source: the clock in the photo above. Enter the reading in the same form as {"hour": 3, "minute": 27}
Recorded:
{"hour": 3, "minute": 26}
